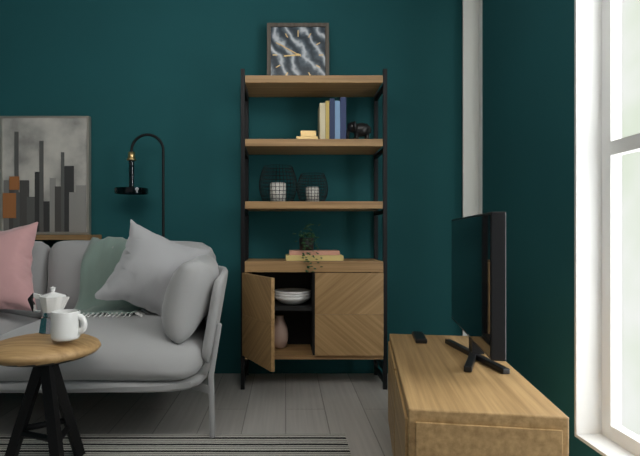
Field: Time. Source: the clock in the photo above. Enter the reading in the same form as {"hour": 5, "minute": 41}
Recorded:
{"hour": 8, "minute": 50}
